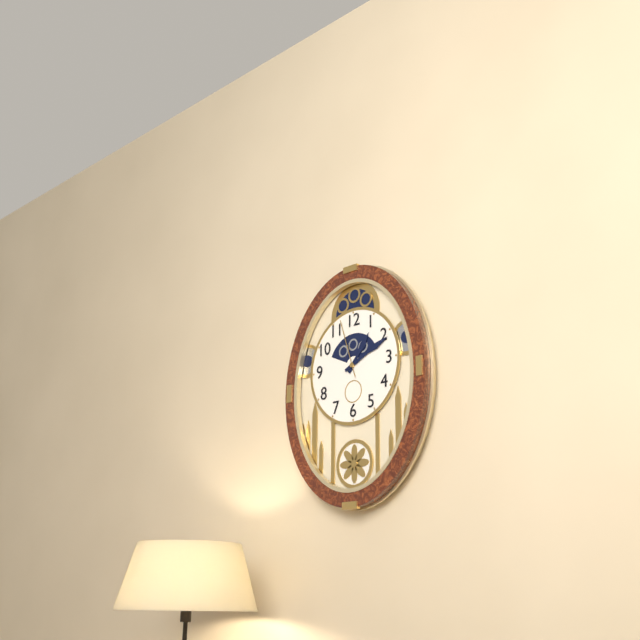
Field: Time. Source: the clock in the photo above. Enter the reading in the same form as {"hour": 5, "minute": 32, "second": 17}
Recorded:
{"hour": 1, "minute": 11, "second": 57}
